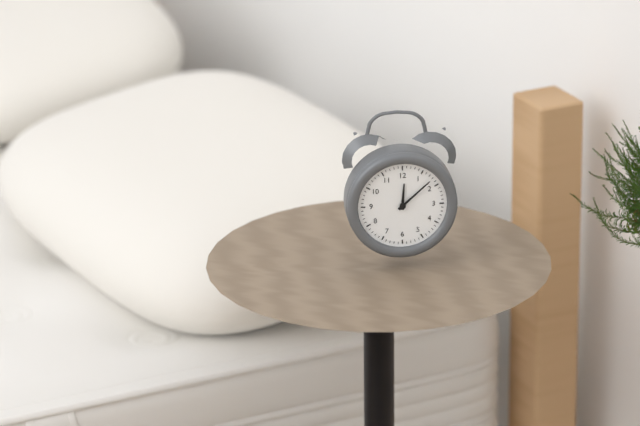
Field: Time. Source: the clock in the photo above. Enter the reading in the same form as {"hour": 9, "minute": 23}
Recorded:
{"hour": 12, "minute": 8}
